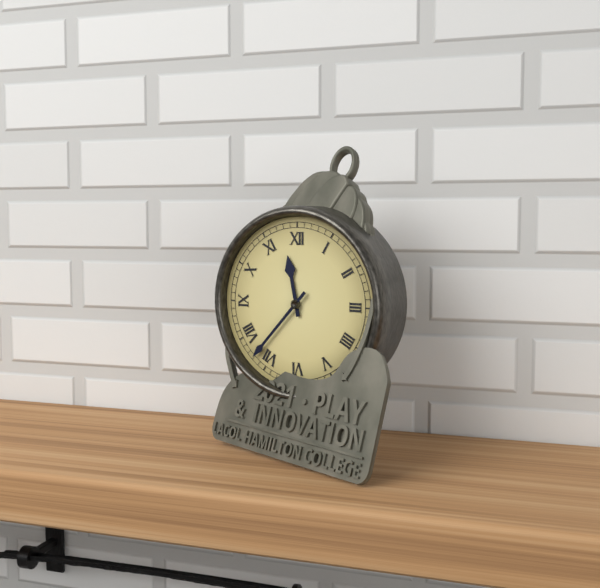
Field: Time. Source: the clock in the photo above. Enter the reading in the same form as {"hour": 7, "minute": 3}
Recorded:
{"hour": 11, "minute": 37}
